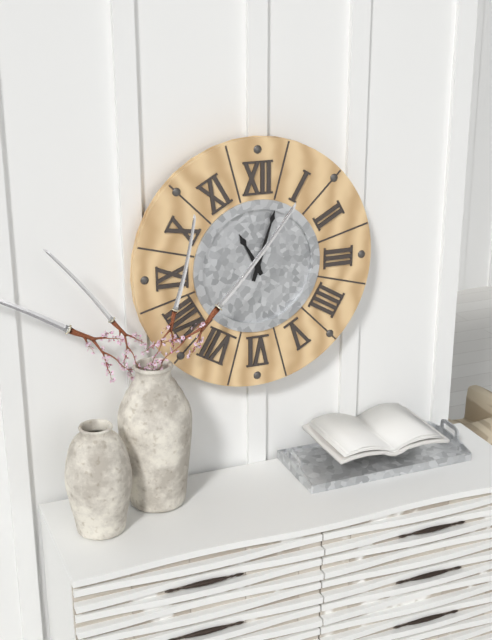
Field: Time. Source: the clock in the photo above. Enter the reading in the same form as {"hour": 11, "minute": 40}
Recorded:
{"hour": 11, "minute": 3}
